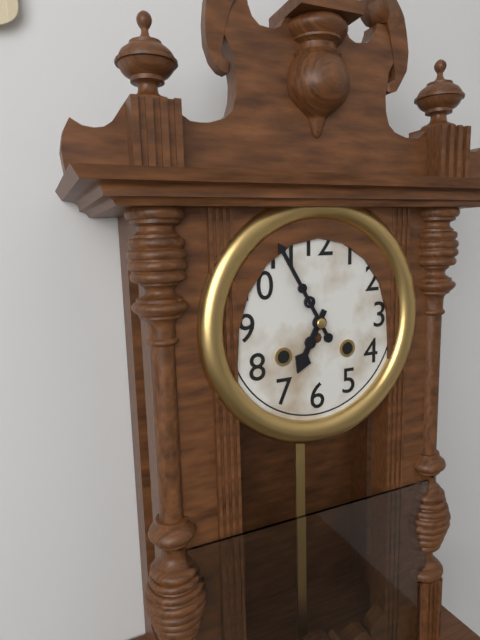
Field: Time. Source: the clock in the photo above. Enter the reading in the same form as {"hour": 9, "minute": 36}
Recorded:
{"hour": 6, "minute": 55}
